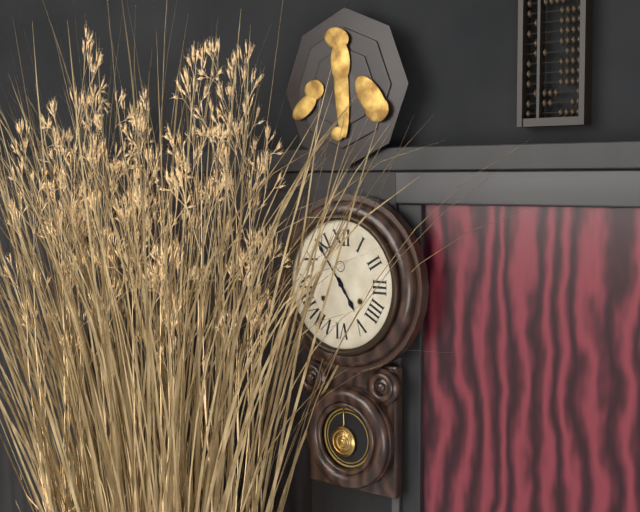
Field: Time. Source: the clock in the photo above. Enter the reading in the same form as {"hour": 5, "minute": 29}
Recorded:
{"hour": 4, "minute": 54}
